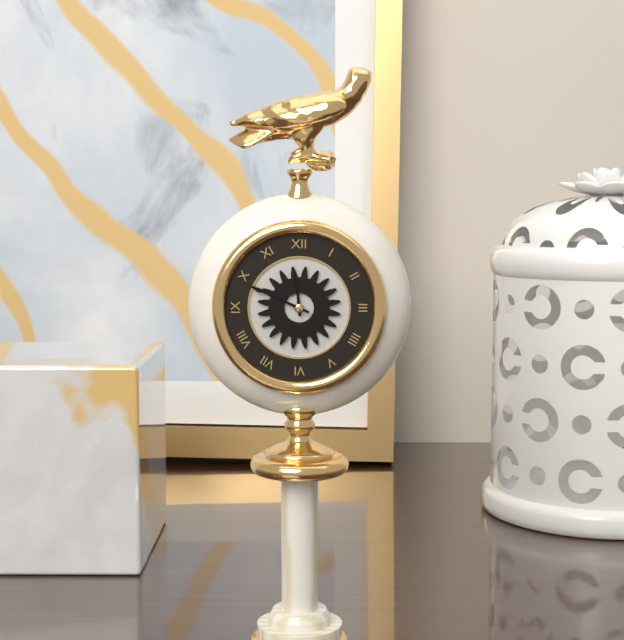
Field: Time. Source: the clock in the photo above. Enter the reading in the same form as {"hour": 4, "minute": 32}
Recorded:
{"hour": 11, "minute": 49}
